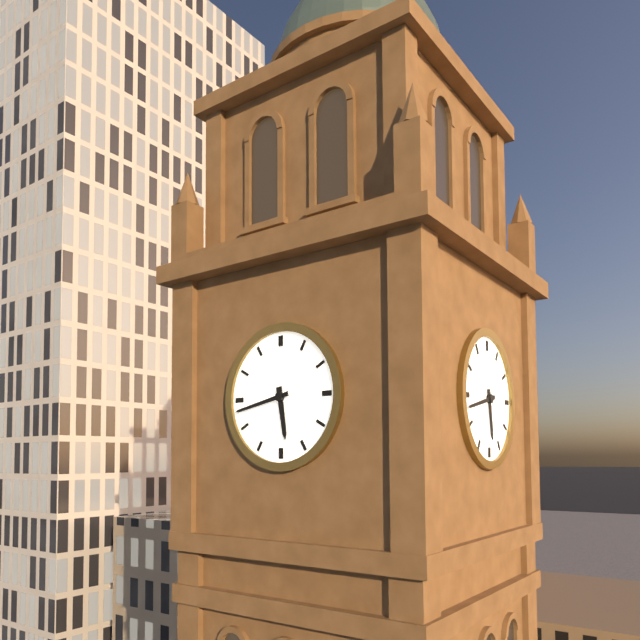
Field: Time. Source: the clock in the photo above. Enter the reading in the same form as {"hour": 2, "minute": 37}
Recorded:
{"hour": 5, "minute": 43}
